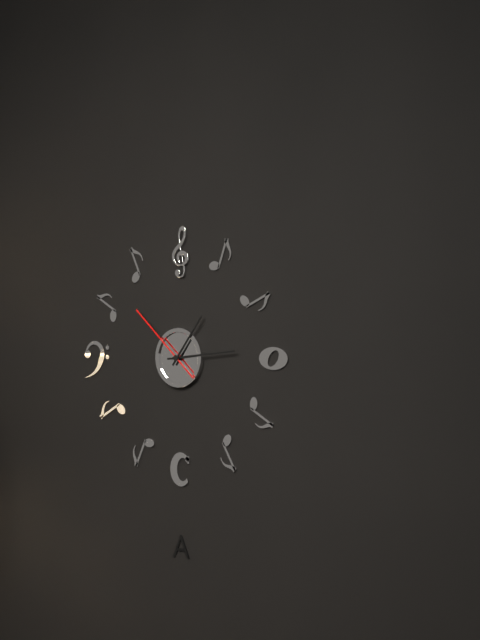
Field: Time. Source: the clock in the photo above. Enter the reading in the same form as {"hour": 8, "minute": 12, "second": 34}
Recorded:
{"hour": 1, "minute": 14, "second": 52}
